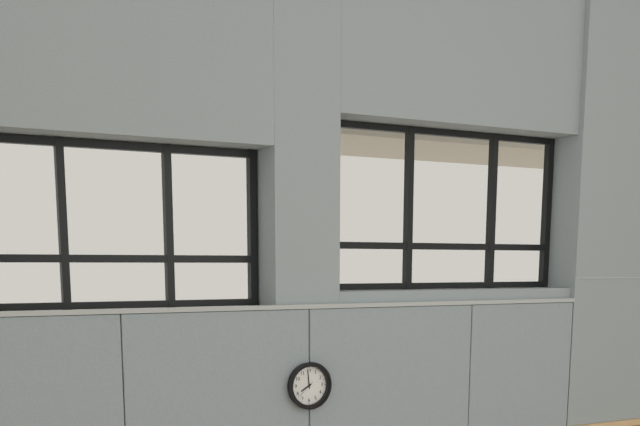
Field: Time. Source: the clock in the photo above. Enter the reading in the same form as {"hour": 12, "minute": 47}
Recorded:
{"hour": 7, "minute": 59}
